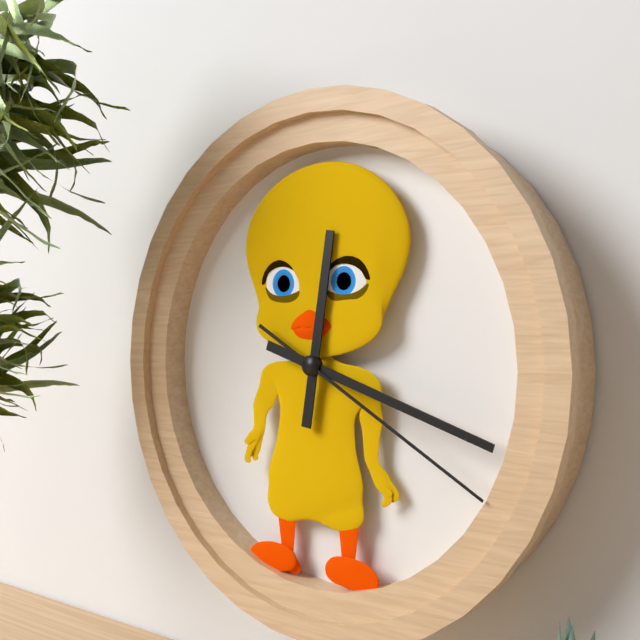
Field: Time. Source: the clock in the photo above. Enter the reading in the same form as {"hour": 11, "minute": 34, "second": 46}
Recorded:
{"hour": 12, "minute": 18, "second": 20}
